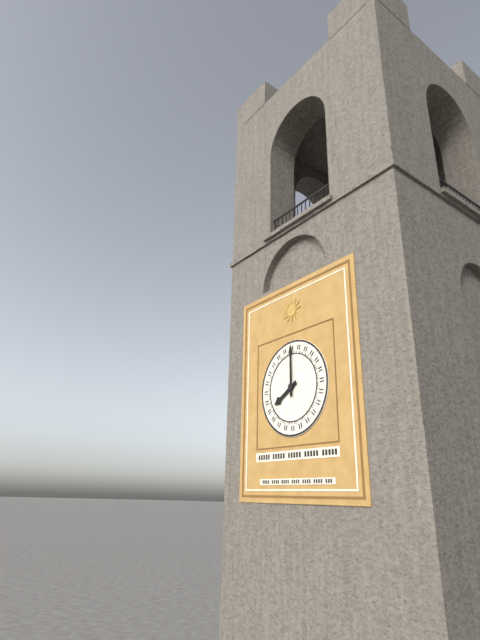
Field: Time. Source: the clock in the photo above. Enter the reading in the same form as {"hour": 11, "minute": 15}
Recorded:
{"hour": 8, "minute": 0}
